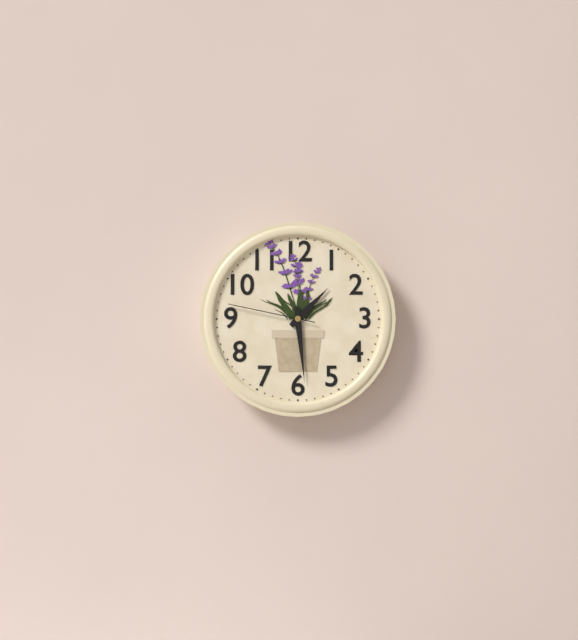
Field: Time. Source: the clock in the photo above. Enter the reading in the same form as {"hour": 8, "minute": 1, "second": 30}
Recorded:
{"hour": 1, "minute": 29, "second": 47}
